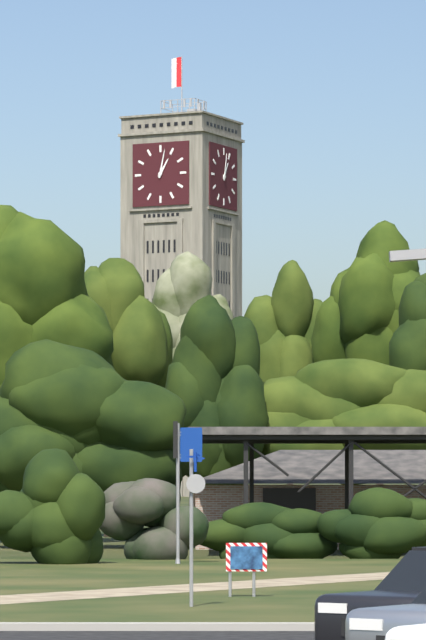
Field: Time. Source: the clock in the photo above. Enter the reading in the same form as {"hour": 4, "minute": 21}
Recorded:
{"hour": 1, "minute": 2}
